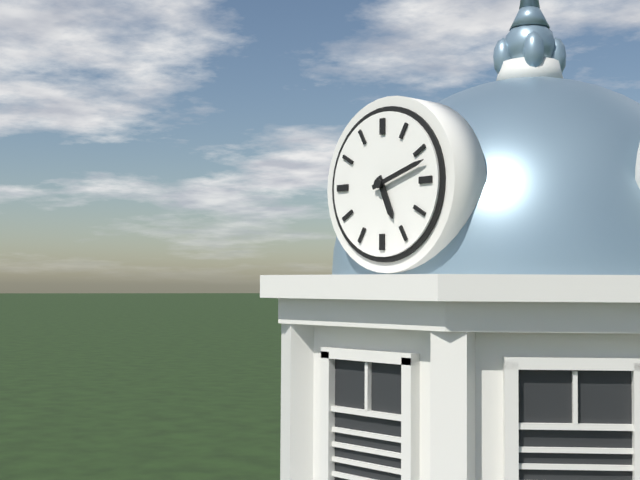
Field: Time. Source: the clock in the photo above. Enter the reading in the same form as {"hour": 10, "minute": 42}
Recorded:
{"hour": 5, "minute": 12}
